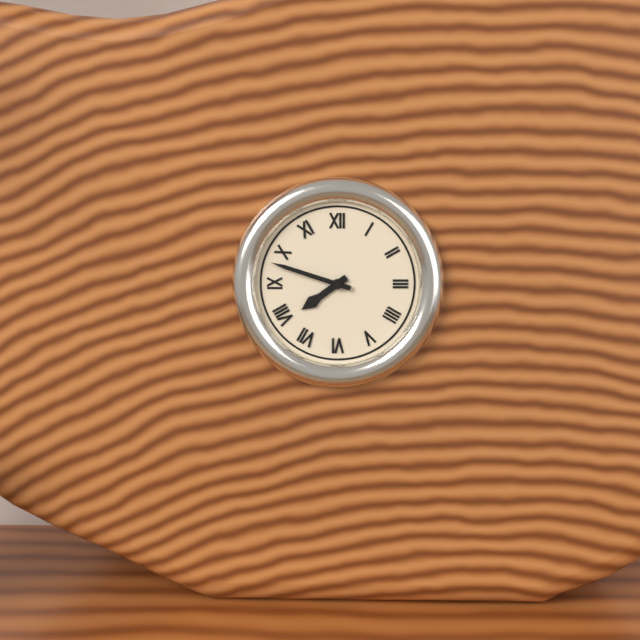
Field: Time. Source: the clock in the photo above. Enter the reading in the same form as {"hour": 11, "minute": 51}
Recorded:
{"hour": 7, "minute": 48}
